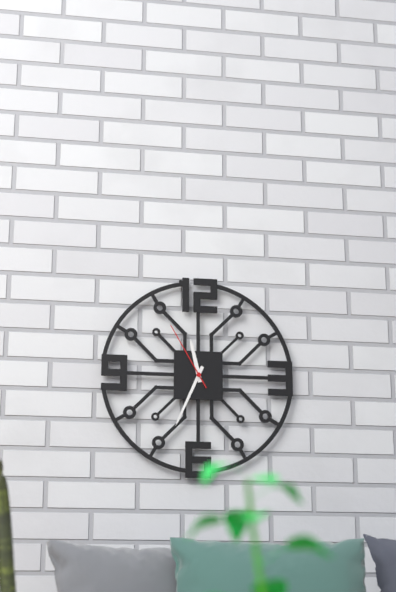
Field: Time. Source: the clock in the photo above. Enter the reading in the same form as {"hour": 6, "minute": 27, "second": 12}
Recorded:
{"hour": 11, "minute": 34, "second": 55}
